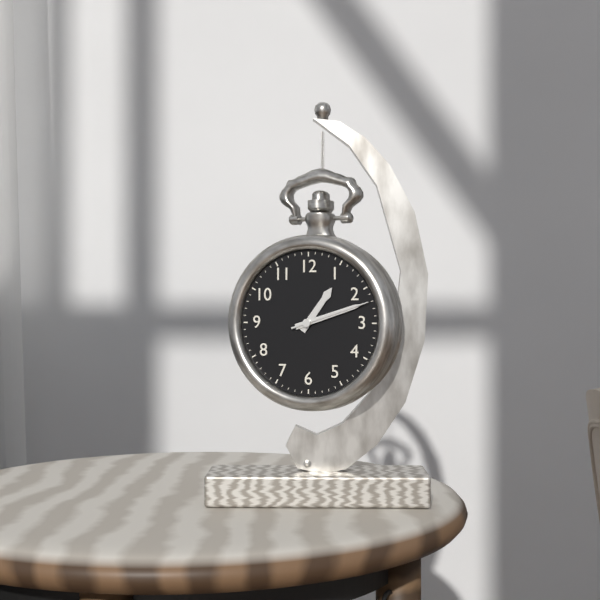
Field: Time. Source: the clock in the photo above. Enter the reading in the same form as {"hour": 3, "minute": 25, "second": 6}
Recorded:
{"hour": 1, "minute": 12, "second": 12}
